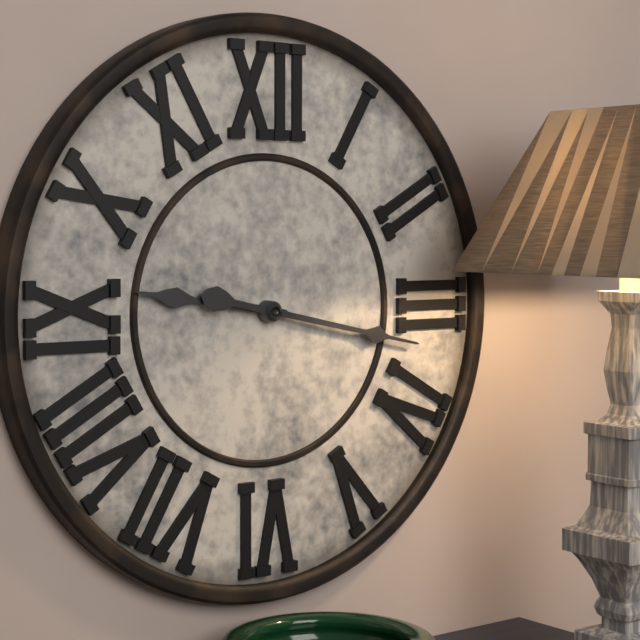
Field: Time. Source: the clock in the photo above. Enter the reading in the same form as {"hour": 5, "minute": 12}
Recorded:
{"hour": 9, "minute": 17}
